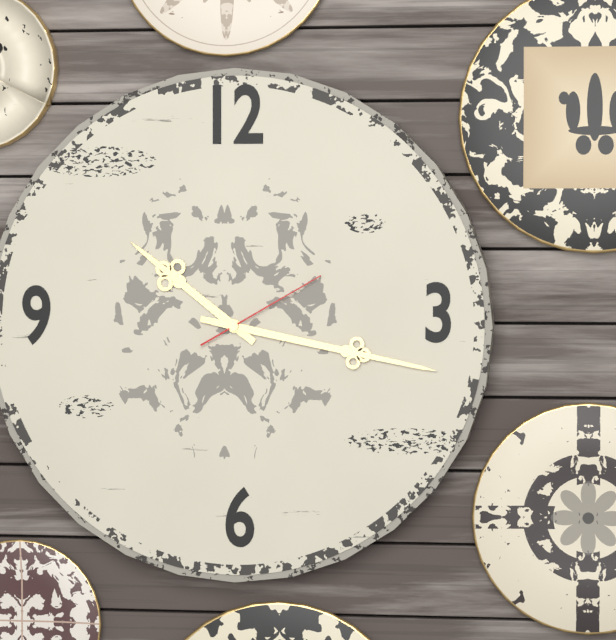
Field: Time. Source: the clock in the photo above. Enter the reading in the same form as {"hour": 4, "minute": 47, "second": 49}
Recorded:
{"hour": 10, "minute": 17, "second": 10}
